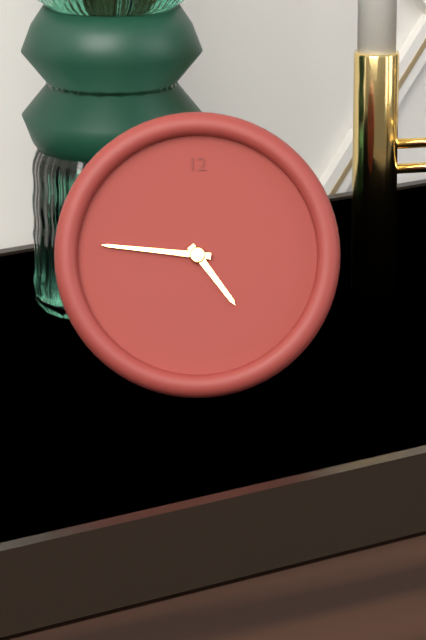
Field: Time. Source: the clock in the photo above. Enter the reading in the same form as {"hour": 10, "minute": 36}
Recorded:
{"hour": 4, "minute": 46}
